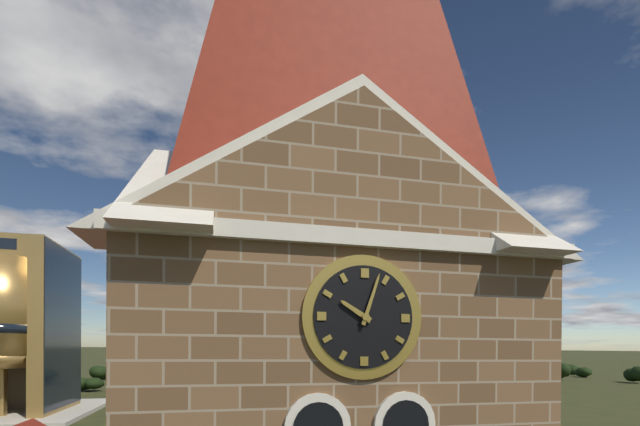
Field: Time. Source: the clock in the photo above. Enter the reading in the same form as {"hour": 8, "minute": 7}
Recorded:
{"hour": 10, "minute": 3}
